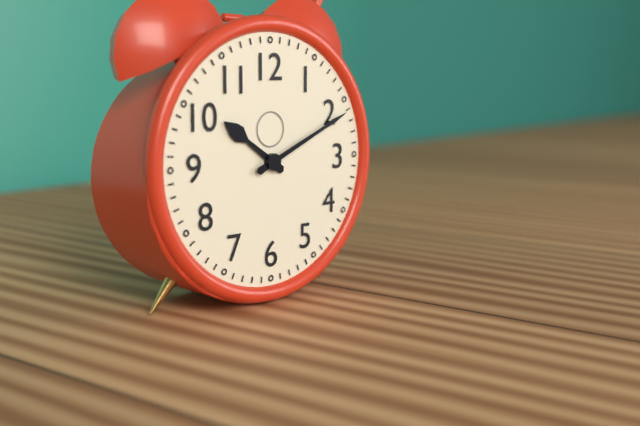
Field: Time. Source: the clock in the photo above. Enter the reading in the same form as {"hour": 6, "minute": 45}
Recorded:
{"hour": 10, "minute": 11}
